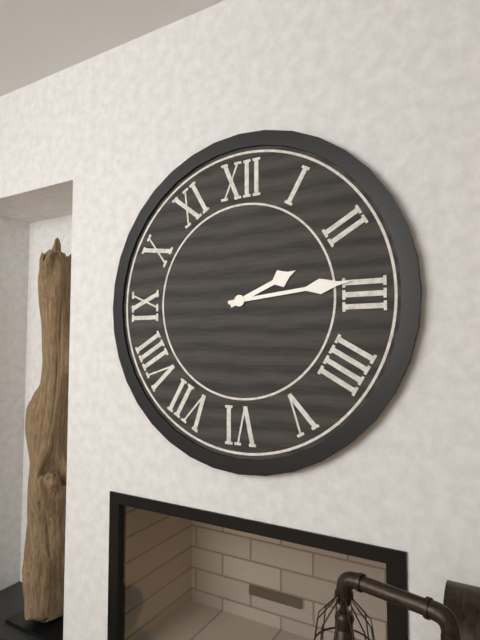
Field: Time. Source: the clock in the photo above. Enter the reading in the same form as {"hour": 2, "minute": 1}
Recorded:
{"hour": 2, "minute": 14}
